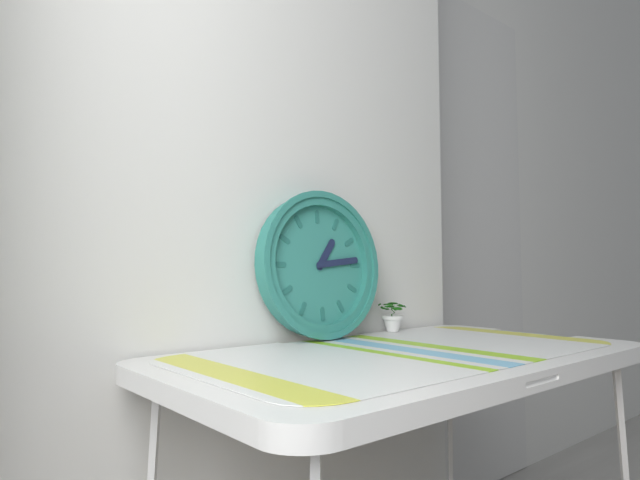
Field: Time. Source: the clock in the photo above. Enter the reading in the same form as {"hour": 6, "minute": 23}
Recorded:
{"hour": 1, "minute": 14}
